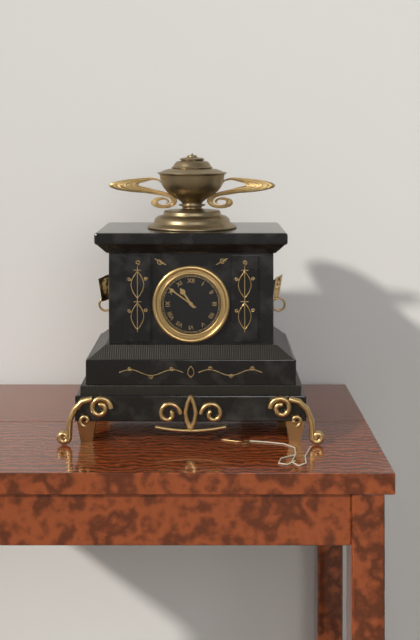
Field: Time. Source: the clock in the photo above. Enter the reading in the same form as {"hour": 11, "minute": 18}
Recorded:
{"hour": 10, "minute": 51}
